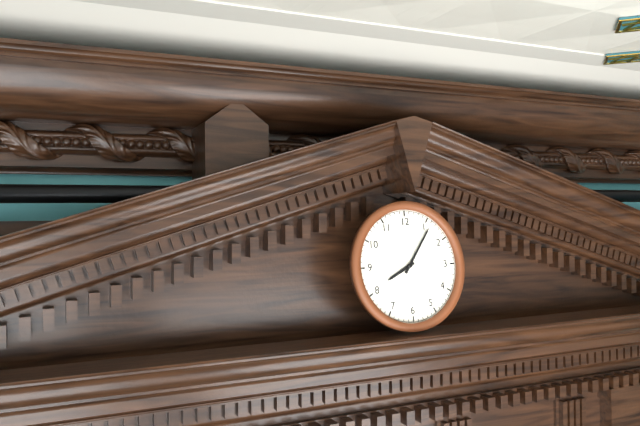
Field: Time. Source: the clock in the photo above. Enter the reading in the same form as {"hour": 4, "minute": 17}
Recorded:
{"hour": 8, "minute": 6}
